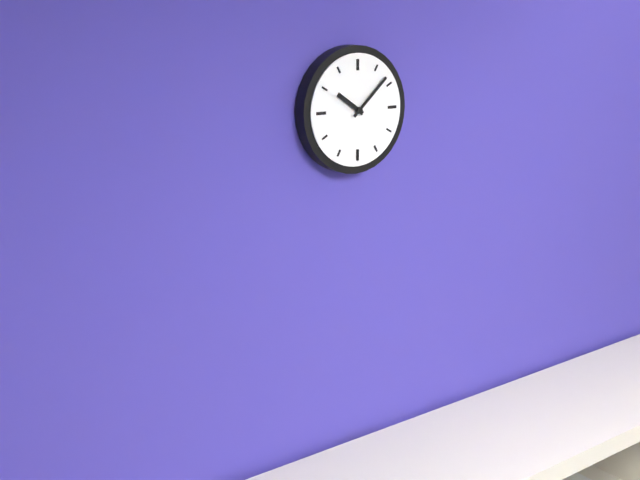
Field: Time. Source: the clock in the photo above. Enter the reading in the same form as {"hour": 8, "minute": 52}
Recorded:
{"hour": 10, "minute": 8}
